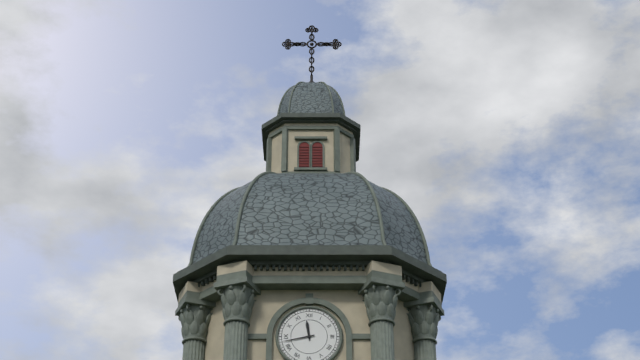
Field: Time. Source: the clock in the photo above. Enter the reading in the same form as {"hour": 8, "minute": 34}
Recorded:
{"hour": 11, "minute": 43}
